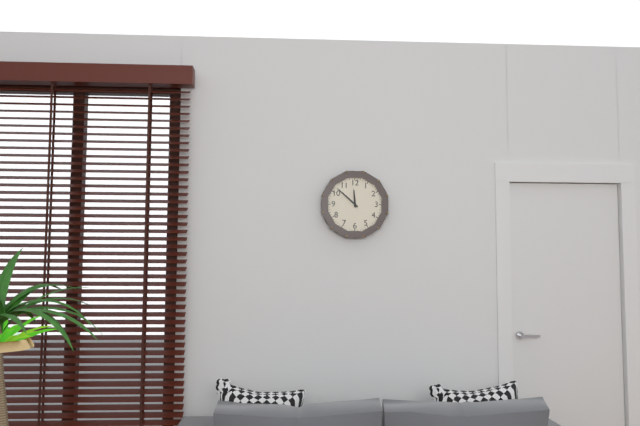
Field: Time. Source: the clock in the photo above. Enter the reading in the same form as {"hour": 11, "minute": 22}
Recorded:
{"hour": 11, "minute": 52}
